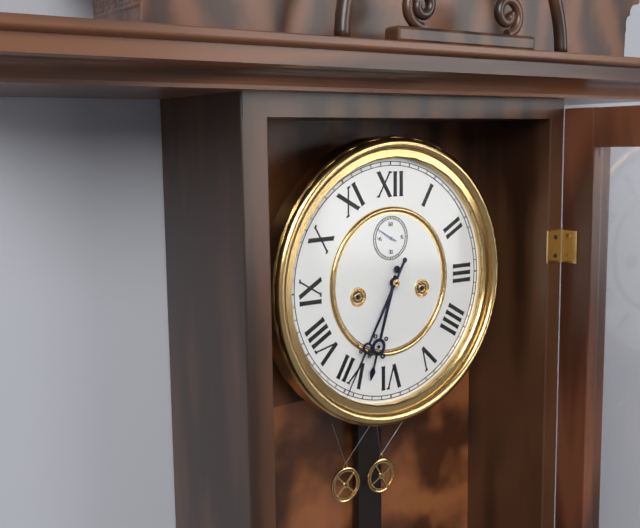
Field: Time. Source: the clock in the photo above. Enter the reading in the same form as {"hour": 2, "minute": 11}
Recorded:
{"hour": 6, "minute": 35}
